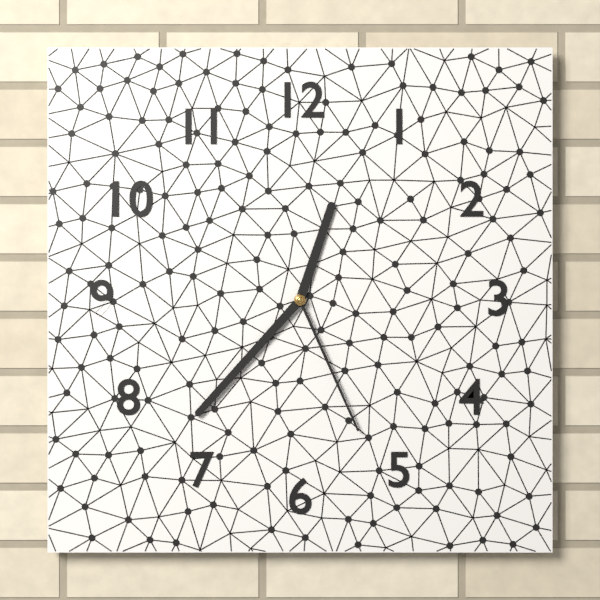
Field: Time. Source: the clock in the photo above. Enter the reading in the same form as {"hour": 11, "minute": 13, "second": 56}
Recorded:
{"hour": 12, "minute": 37, "second": 26}
